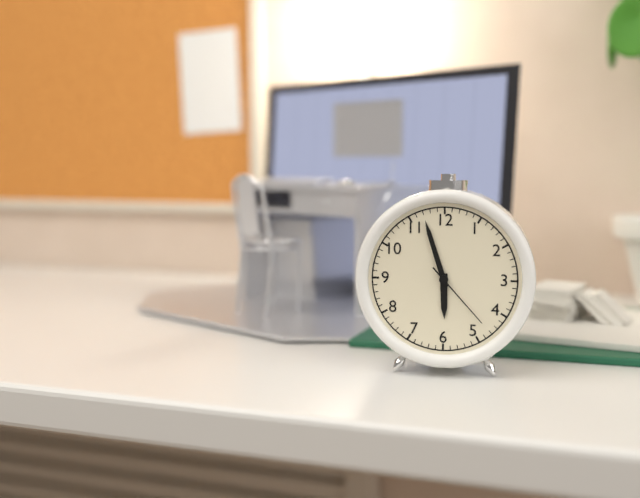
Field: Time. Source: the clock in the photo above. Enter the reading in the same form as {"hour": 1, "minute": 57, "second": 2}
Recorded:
{"hour": 5, "minute": 57, "second": 23}
